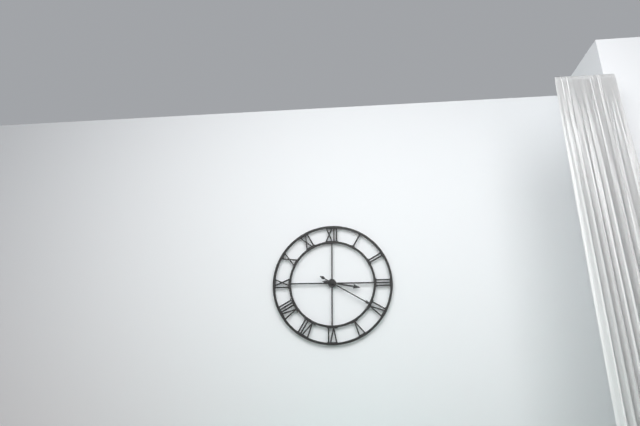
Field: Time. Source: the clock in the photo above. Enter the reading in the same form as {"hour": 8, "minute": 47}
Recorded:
{"hour": 3, "minute": 20}
